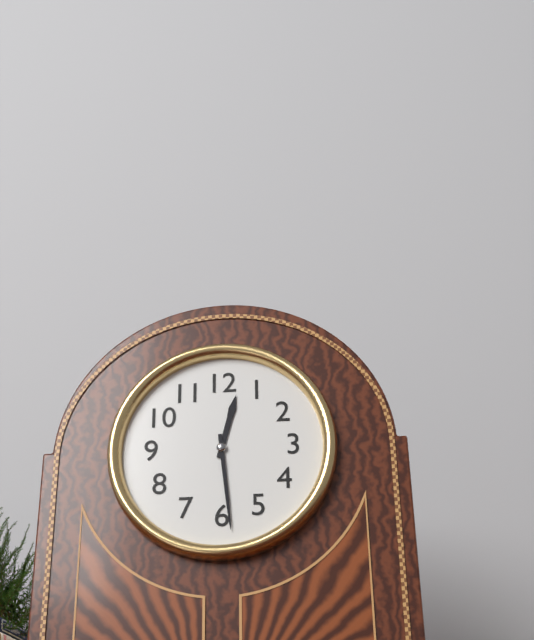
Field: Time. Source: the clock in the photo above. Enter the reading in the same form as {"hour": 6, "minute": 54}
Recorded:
{"hour": 12, "minute": 29}
